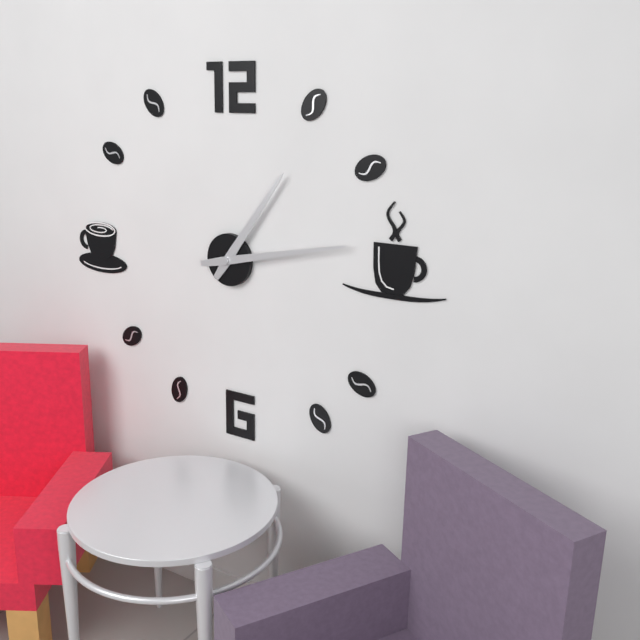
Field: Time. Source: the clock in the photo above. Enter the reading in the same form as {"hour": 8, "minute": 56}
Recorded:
{"hour": 1, "minute": 13}
